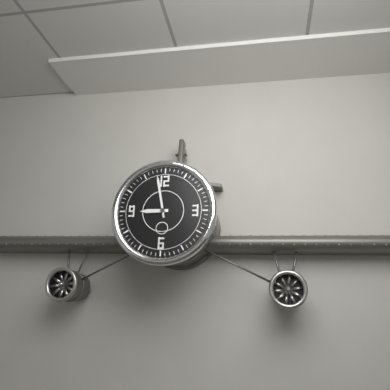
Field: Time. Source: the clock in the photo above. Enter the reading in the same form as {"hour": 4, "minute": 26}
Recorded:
{"hour": 8, "minute": 58}
